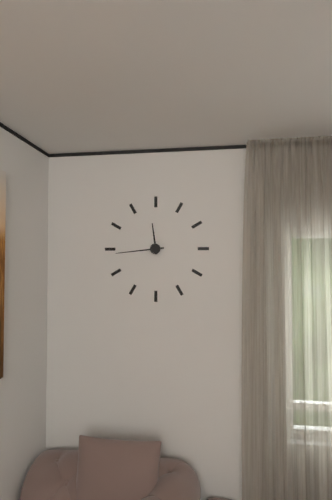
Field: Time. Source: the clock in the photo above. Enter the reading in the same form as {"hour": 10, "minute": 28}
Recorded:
{"hour": 11, "minute": 44}
